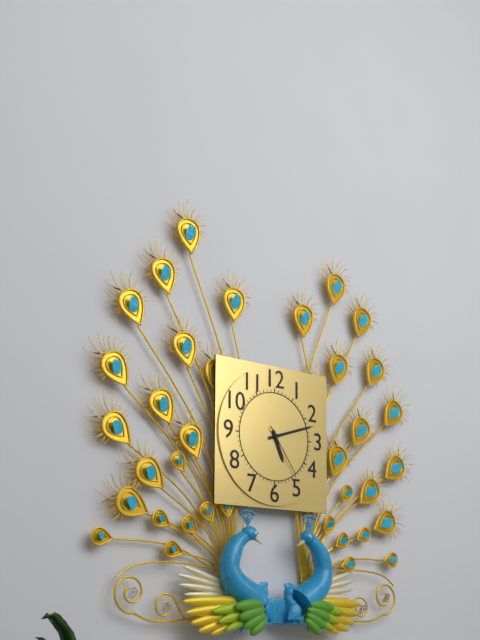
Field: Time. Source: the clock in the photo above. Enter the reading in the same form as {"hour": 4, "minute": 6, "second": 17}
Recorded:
{"hour": 5, "minute": 12, "second": 24}
